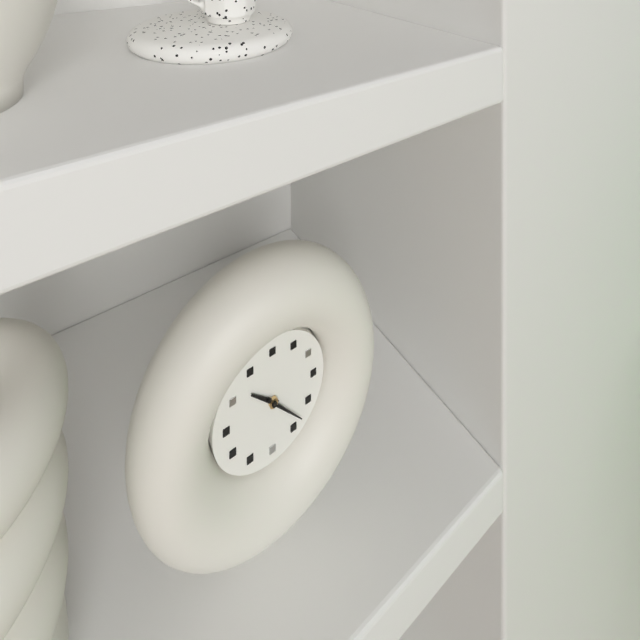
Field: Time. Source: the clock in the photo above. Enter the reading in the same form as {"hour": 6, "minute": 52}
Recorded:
{"hour": 10, "minute": 23}
